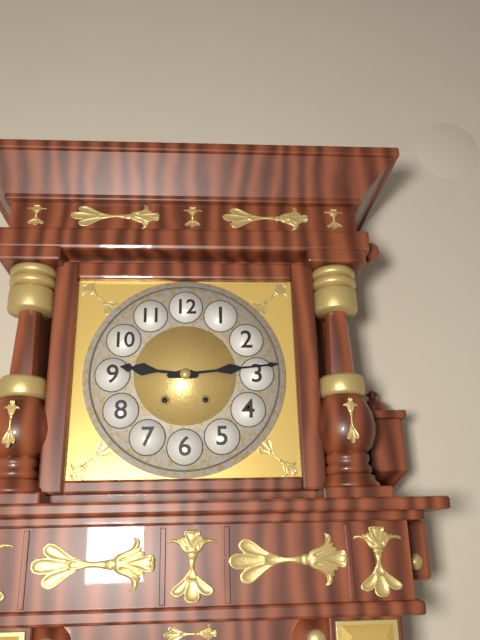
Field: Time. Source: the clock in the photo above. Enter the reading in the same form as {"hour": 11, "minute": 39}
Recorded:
{"hour": 9, "minute": 14}
